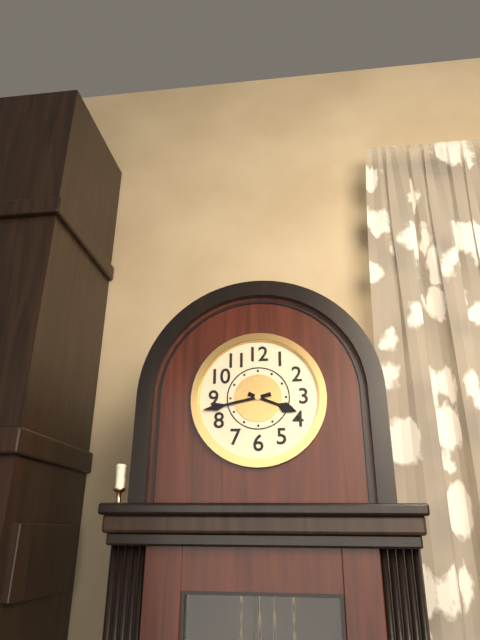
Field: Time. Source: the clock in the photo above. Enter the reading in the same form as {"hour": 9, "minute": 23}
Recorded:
{"hour": 3, "minute": 43}
